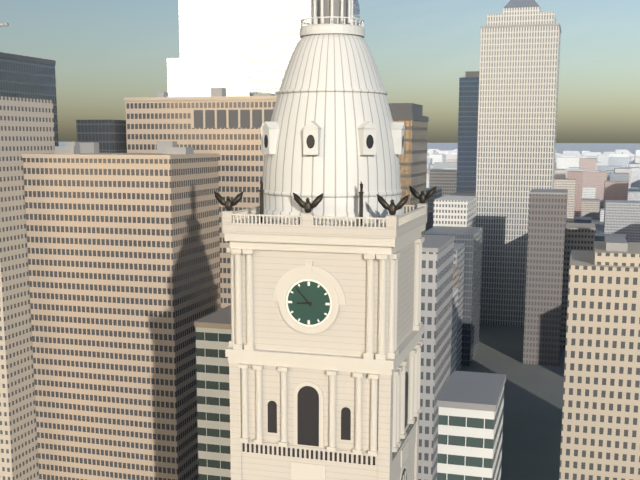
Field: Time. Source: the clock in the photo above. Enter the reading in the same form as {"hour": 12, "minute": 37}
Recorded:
{"hour": 8, "minute": 53}
